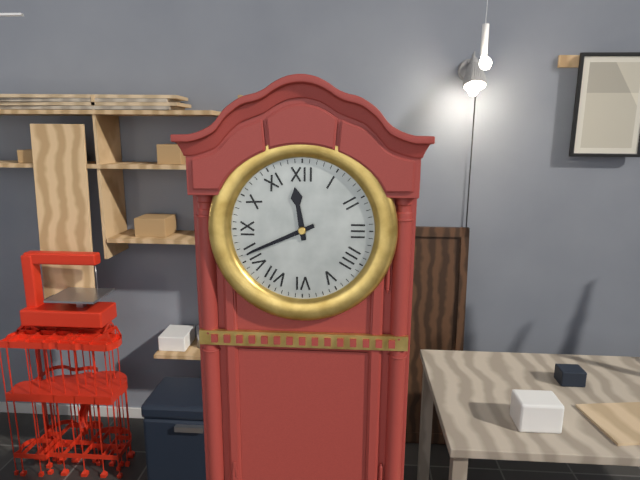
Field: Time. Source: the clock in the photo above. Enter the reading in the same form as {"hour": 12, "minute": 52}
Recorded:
{"hour": 11, "minute": 41}
